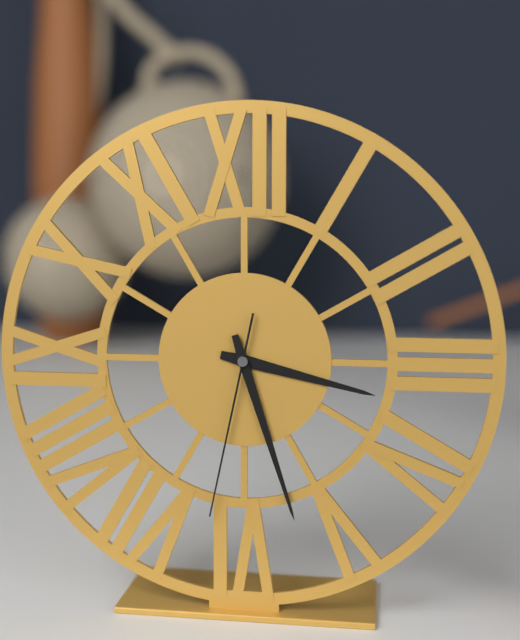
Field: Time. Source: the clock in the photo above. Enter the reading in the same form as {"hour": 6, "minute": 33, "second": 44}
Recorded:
{"hour": 3, "minute": 27, "second": 32}
